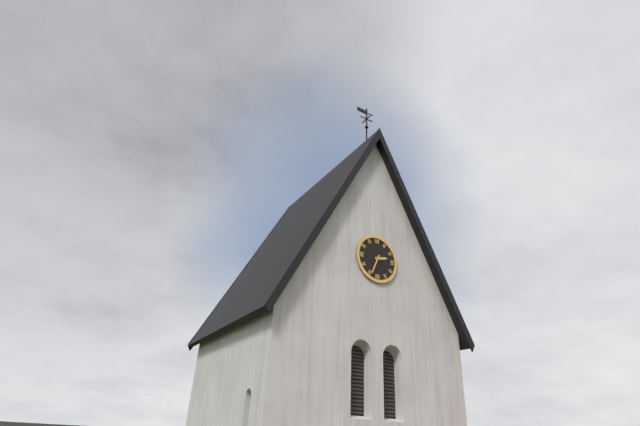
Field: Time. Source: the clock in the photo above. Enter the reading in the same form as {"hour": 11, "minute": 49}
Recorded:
{"hour": 2, "minute": 34}
